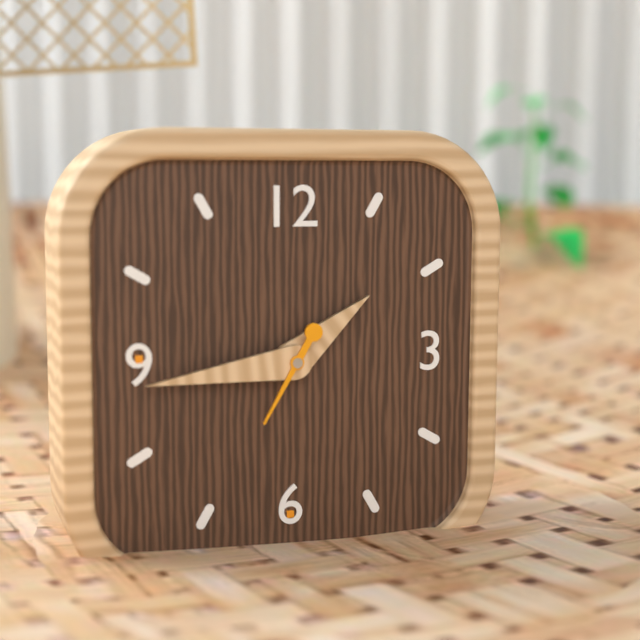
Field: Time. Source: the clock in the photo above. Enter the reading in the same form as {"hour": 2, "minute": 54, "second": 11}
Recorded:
{"hour": 1, "minute": 44, "second": 35}
